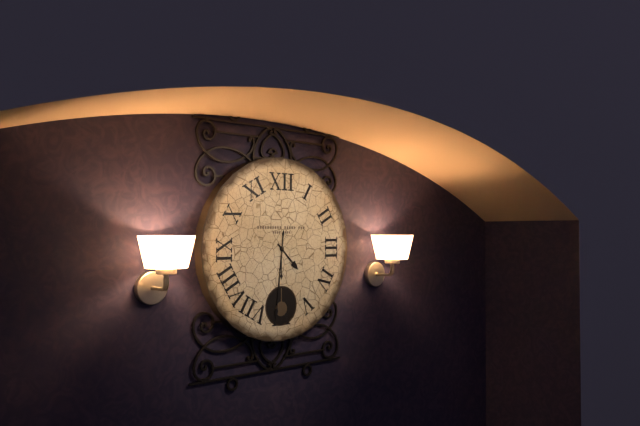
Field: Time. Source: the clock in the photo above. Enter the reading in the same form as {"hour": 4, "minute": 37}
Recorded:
{"hour": 4, "minute": 31}
